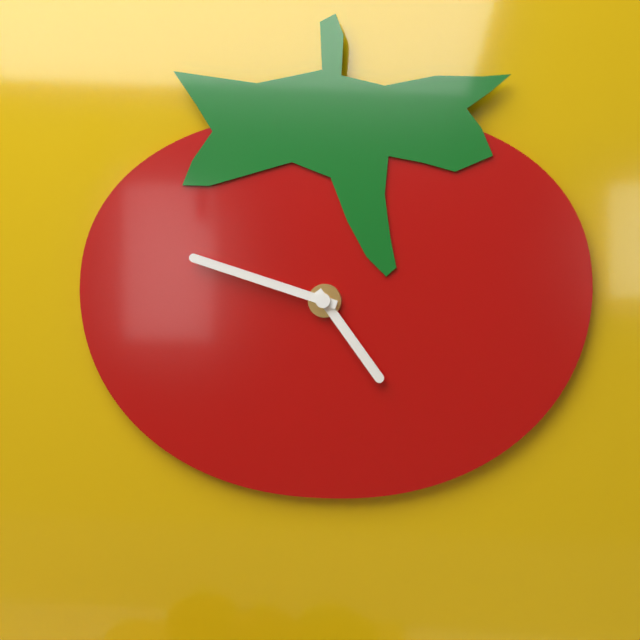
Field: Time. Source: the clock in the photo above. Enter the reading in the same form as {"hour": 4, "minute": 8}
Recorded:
{"hour": 4, "minute": 48}
